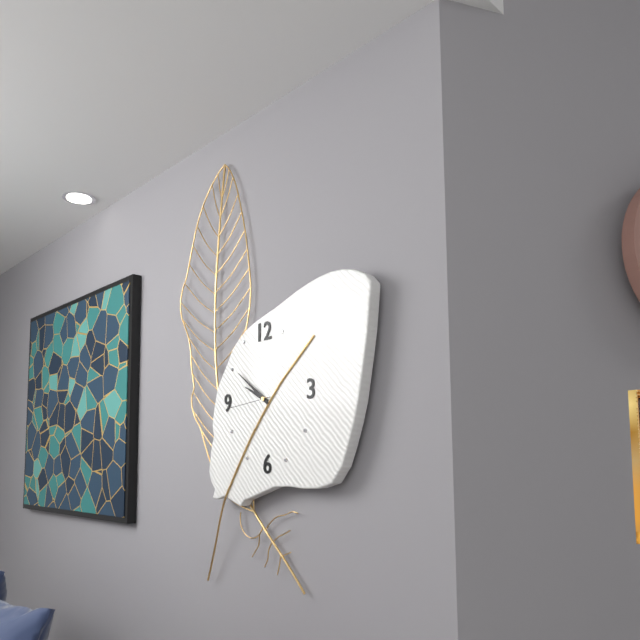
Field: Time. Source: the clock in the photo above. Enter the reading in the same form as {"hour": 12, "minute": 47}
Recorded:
{"hour": 9, "minute": 51}
